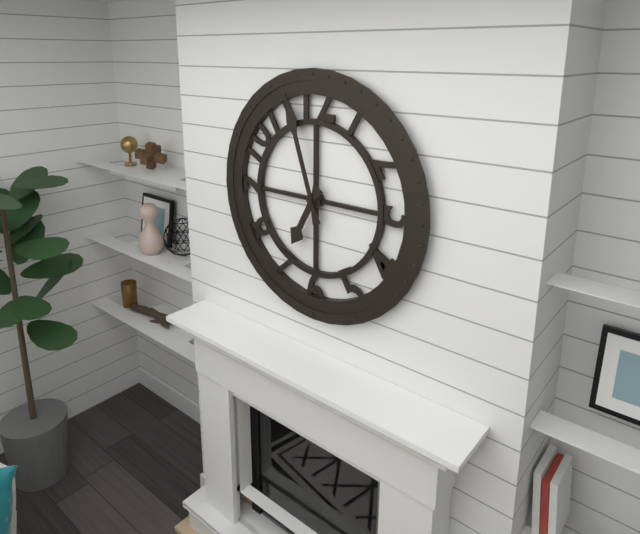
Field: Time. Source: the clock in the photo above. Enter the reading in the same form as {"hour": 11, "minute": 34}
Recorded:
{"hour": 6, "minute": 57}
